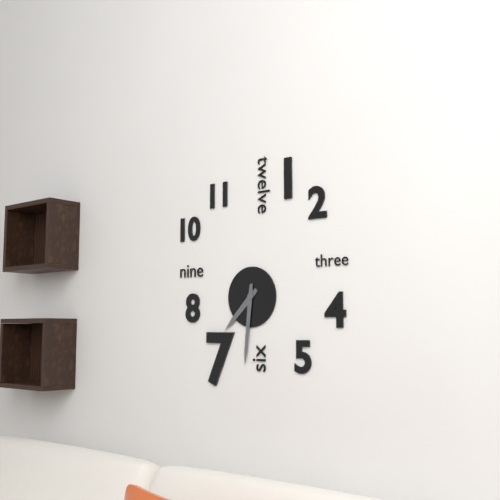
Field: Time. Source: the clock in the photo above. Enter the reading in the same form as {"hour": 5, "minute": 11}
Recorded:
{"hour": 7, "minute": 31}
